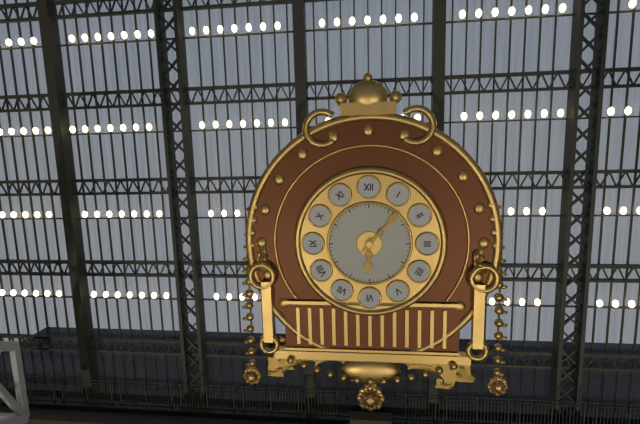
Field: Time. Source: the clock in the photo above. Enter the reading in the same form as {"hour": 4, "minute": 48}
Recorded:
{"hour": 6, "minute": 7}
